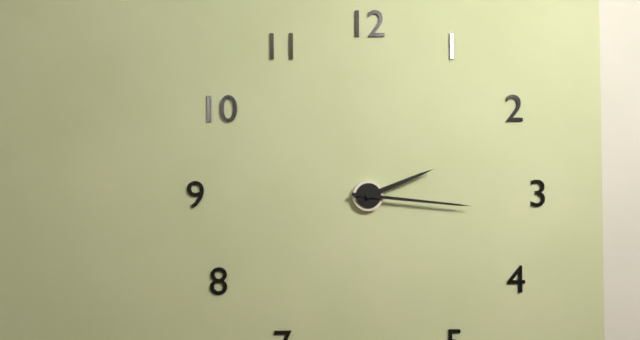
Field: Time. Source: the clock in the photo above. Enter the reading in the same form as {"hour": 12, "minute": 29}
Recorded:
{"hour": 2, "minute": 16}
